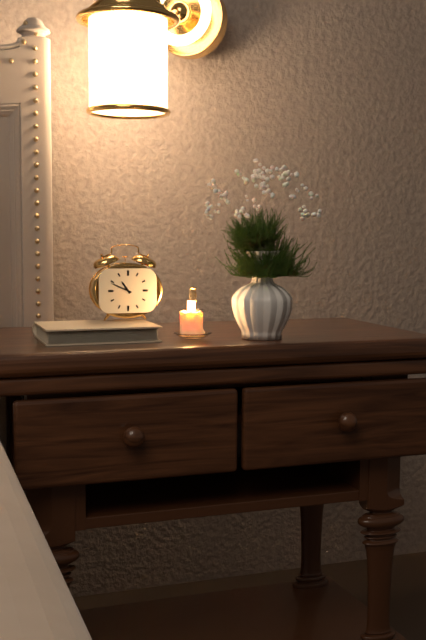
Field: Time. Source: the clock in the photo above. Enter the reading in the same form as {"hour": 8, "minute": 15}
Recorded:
{"hour": 10, "minute": 49}
